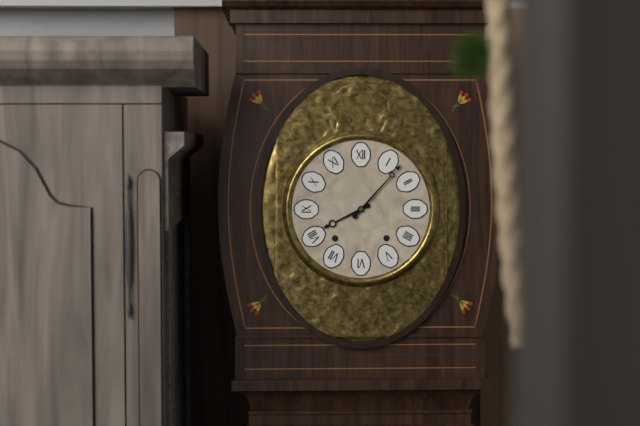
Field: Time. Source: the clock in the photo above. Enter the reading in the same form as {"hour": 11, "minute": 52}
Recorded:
{"hour": 8, "minute": 7}
